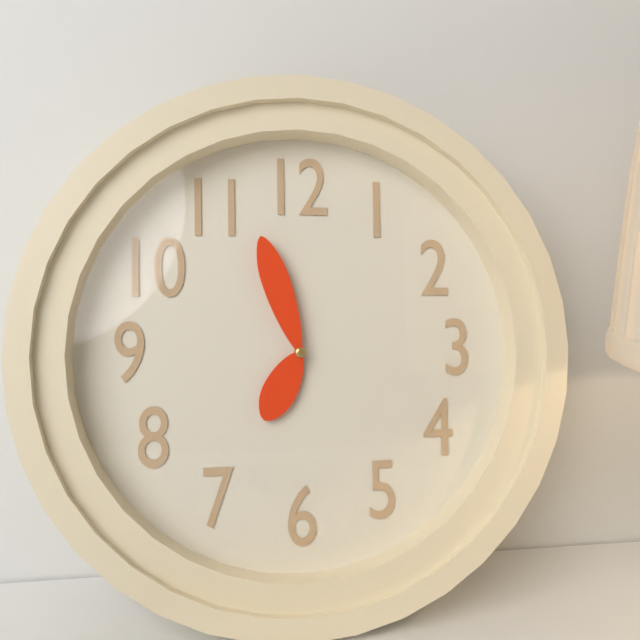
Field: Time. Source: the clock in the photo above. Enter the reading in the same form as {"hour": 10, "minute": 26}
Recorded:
{"hour": 6, "minute": 57}
